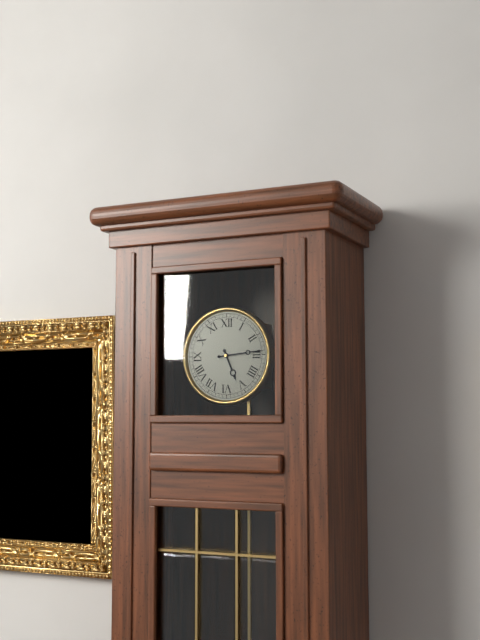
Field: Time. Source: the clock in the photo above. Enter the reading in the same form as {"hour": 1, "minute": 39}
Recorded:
{"hour": 5, "minute": 14}
